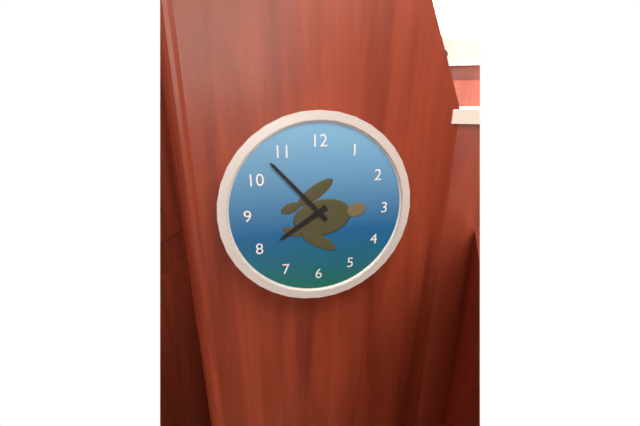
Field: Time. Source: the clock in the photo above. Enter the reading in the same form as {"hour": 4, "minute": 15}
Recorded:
{"hour": 7, "minute": 53}
